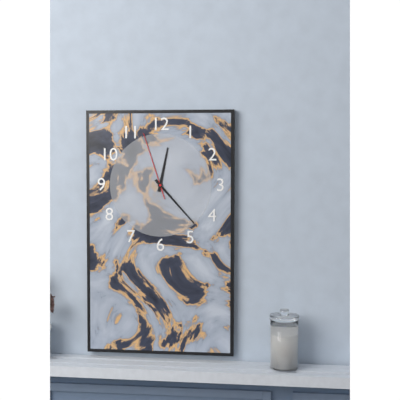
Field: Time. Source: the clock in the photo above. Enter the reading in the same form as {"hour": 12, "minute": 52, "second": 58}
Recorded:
{"hour": 12, "minute": 23, "second": 57}
